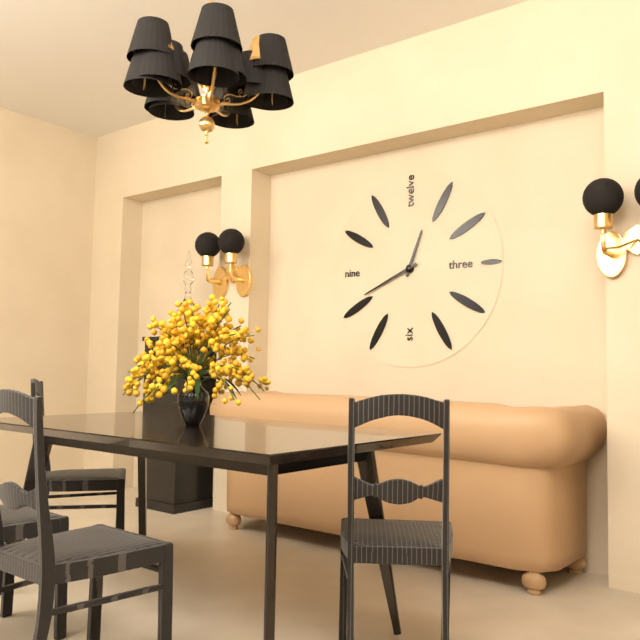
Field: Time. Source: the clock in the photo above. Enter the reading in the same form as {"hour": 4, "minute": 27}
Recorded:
{"hour": 12, "minute": 41}
